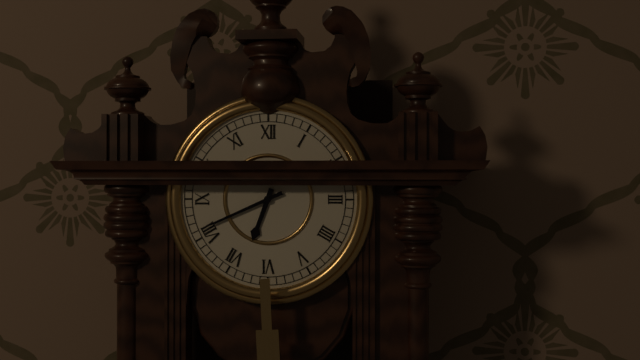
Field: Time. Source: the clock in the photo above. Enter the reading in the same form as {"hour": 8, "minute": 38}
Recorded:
{"hour": 6, "minute": 41}
